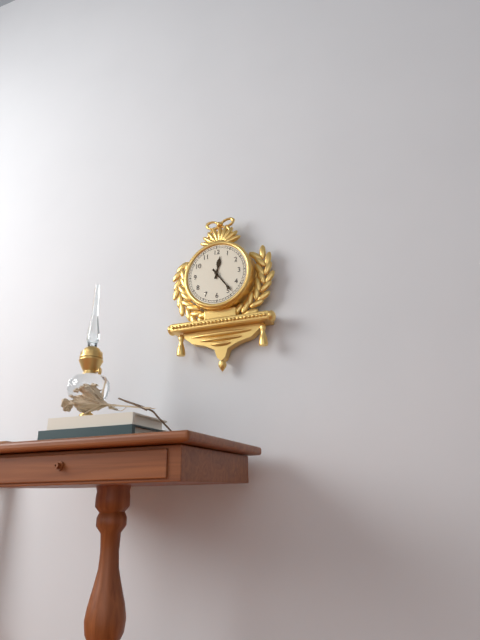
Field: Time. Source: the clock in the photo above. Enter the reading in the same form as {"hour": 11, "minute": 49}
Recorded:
{"hour": 12, "minute": 24}
